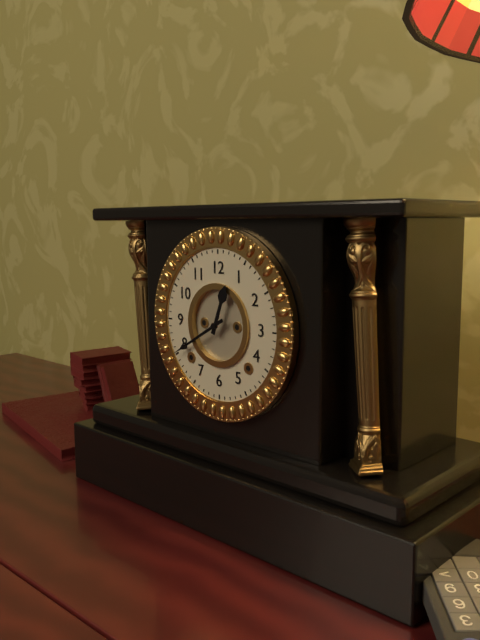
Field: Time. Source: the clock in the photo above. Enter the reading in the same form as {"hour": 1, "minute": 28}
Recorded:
{"hour": 12, "minute": 40}
